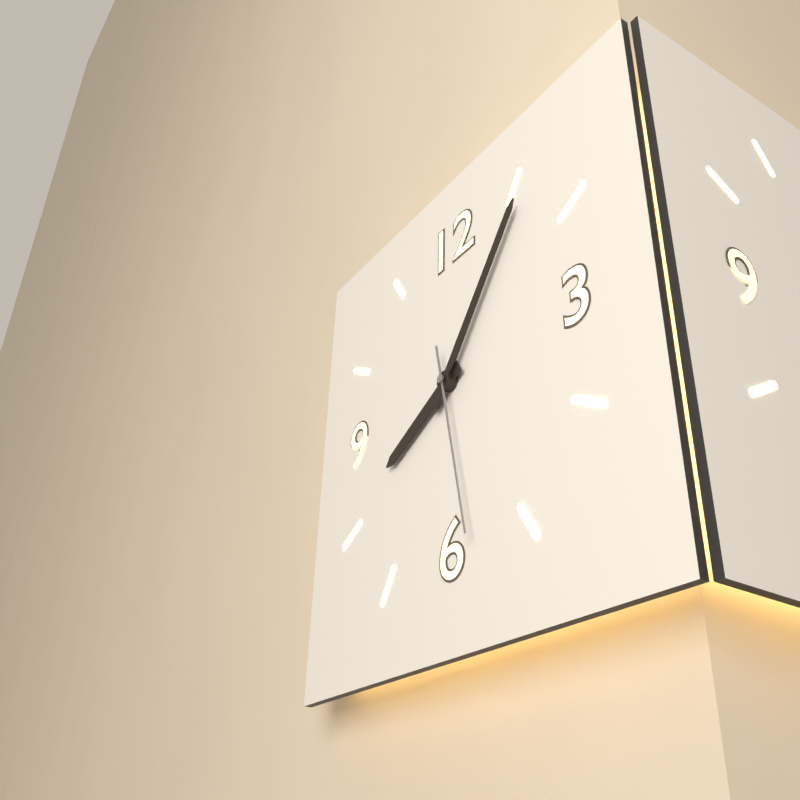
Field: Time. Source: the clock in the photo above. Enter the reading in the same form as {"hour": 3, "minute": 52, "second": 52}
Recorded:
{"hour": 8, "minute": 6, "second": 28}
